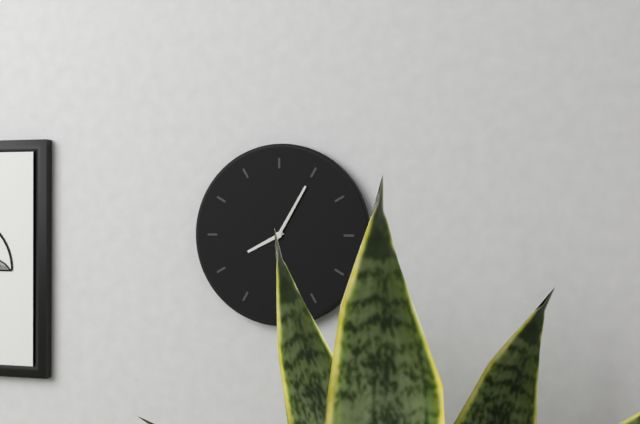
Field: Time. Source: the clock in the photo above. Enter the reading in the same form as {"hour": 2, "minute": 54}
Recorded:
{"hour": 8, "minute": 5}
